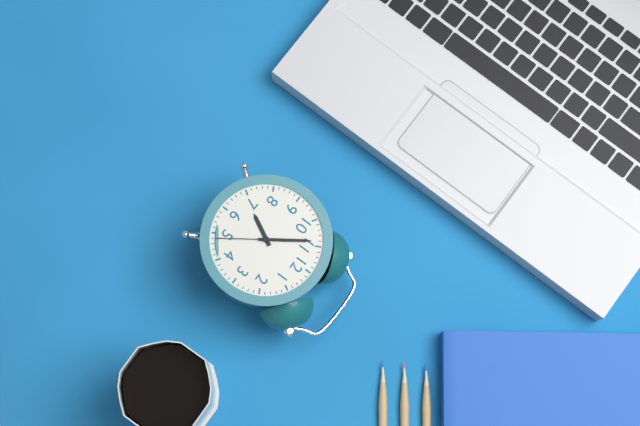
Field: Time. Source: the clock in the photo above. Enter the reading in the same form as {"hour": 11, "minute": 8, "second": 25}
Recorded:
{"hour": 6, "minute": 54, "second": 24}
